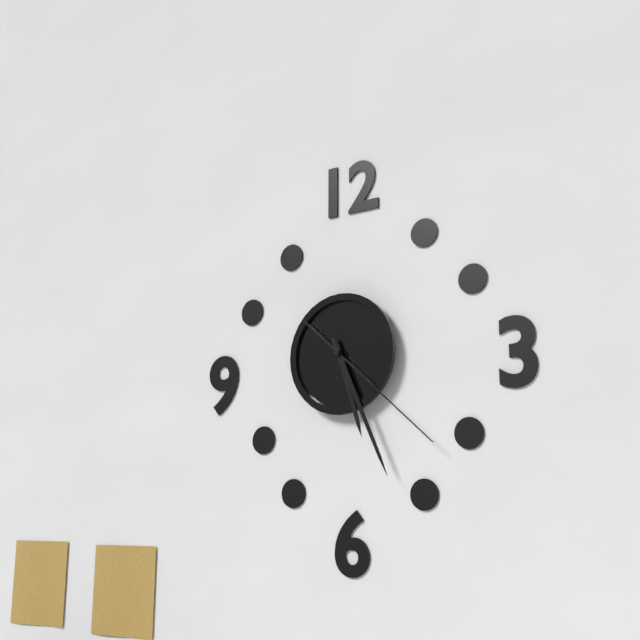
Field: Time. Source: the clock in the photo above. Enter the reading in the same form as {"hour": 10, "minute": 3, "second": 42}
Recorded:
{"hour": 5, "minute": 26, "second": 22}
